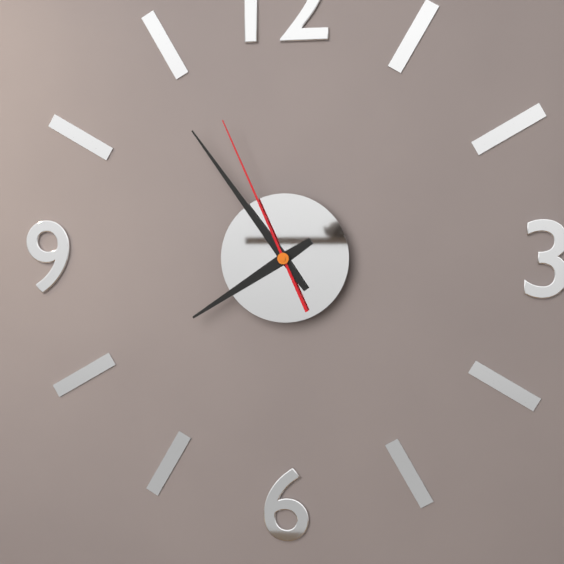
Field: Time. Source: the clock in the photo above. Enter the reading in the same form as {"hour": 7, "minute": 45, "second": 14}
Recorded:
{"hour": 7, "minute": 54, "second": 56}
